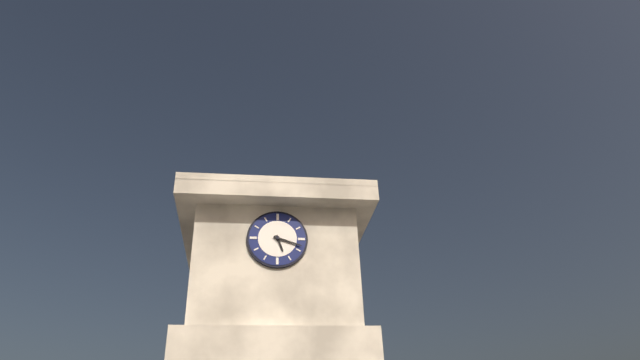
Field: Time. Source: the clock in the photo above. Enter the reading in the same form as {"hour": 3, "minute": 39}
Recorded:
{"hour": 5, "minute": 18}
